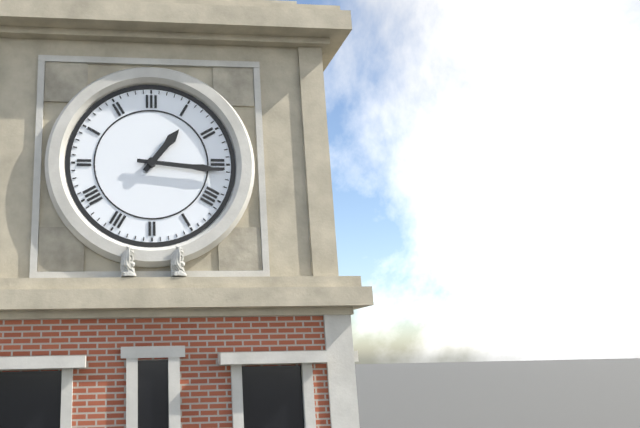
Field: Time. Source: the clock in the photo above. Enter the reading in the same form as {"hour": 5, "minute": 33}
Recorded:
{"hour": 1, "minute": 16}
